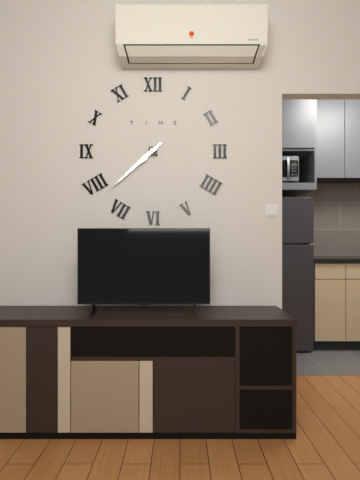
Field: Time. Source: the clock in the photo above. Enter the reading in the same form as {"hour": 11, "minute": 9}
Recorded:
{"hour": 7, "minute": 38}
